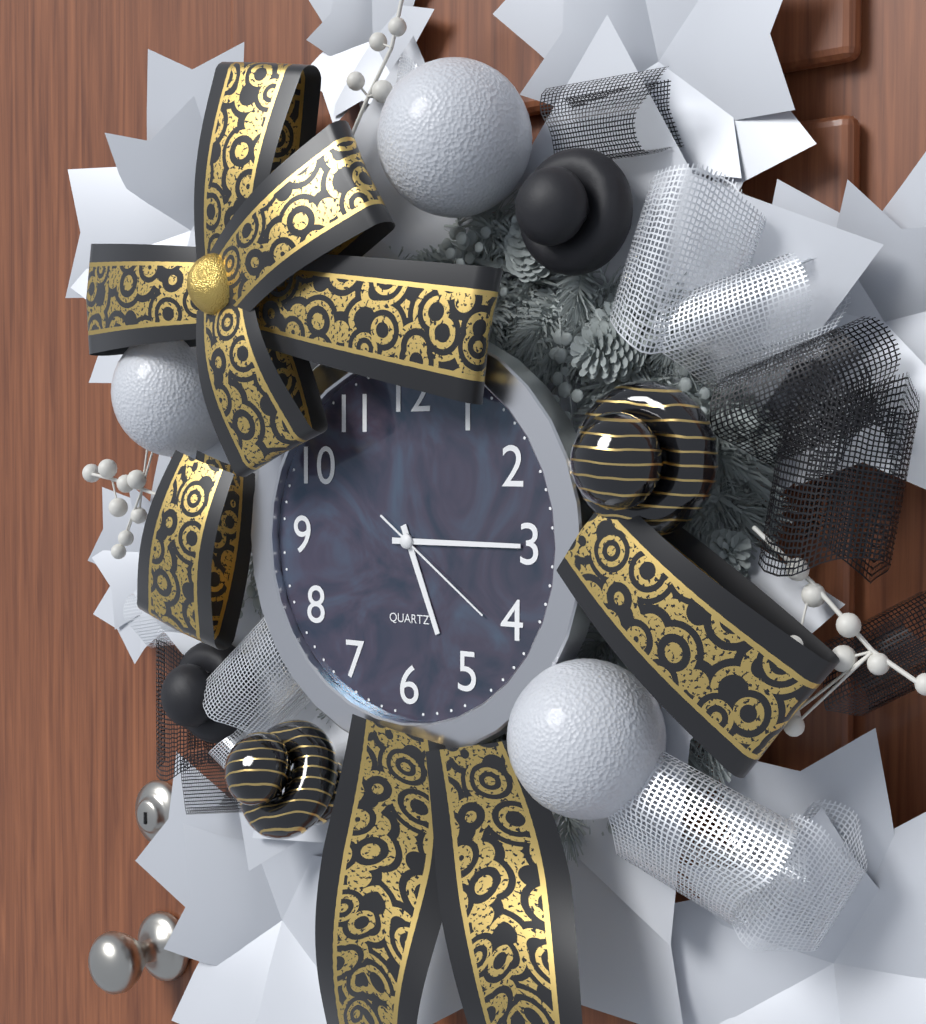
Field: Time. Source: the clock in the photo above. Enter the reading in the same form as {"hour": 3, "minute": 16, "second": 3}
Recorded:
{"hour": 5, "minute": 15, "second": 21}
